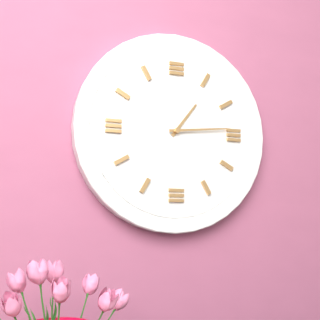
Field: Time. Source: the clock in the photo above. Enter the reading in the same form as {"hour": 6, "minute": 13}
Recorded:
{"hour": 1, "minute": 14}
